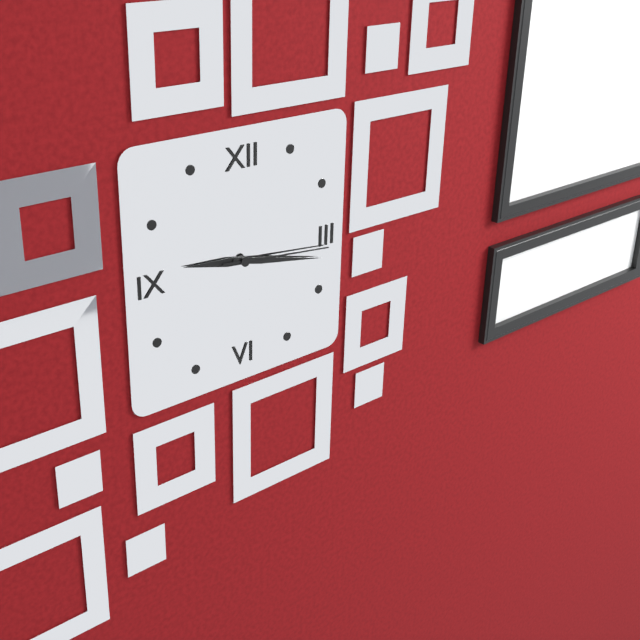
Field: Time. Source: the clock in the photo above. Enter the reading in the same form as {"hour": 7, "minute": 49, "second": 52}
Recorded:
{"hour": 9, "minute": 17, "second": 16}
